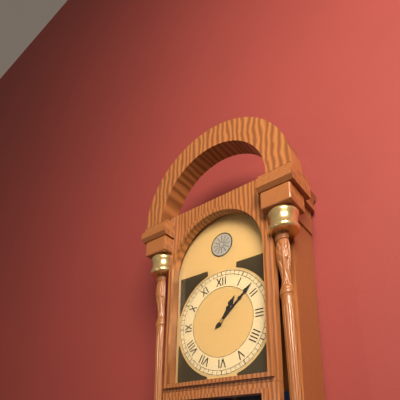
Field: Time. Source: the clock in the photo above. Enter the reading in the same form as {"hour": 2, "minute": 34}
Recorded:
{"hour": 1, "minute": 8}
